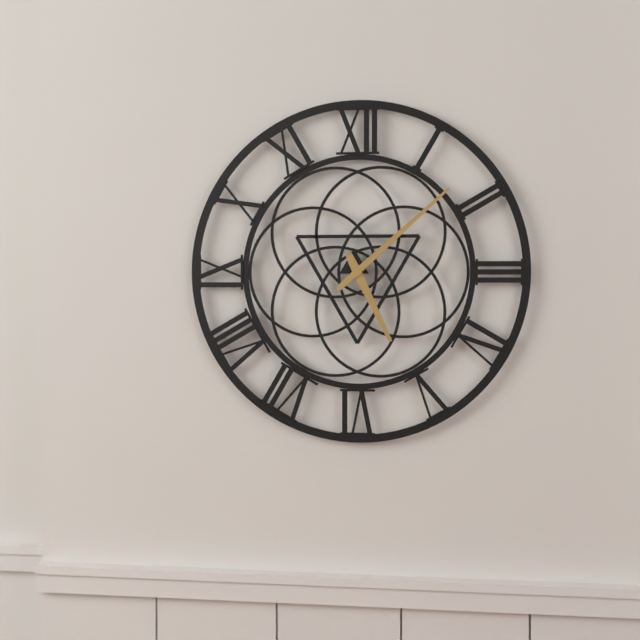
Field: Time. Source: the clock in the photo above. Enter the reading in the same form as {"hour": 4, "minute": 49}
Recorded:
{"hour": 5, "minute": 8}
